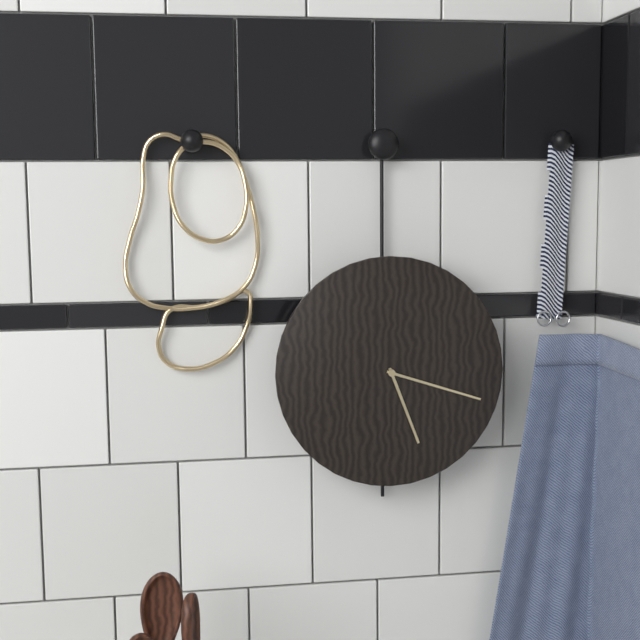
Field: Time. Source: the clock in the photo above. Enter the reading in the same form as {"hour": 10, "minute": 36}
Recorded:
{"hour": 5, "minute": 18}
